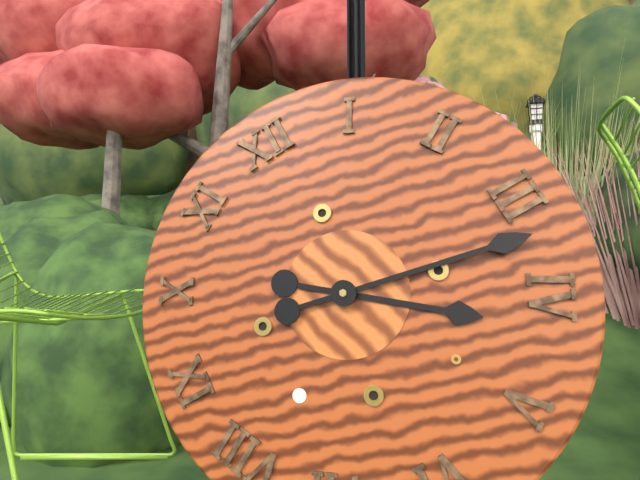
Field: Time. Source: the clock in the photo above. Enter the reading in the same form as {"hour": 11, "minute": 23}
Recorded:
{"hour": 4, "minute": 17}
